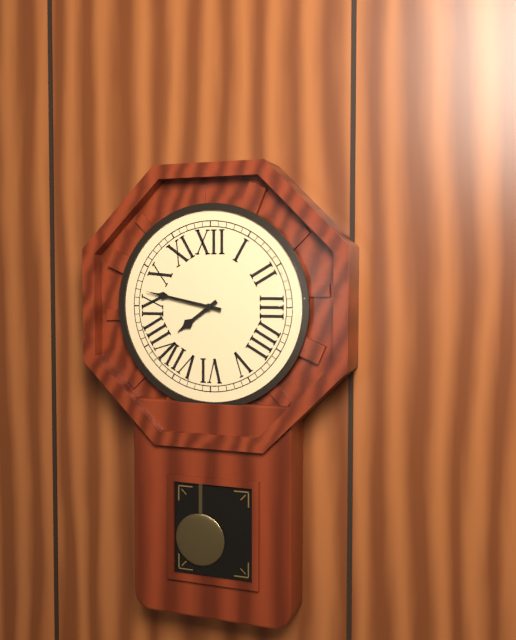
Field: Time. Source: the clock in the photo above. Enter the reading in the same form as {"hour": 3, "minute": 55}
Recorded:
{"hour": 7, "minute": 47}
